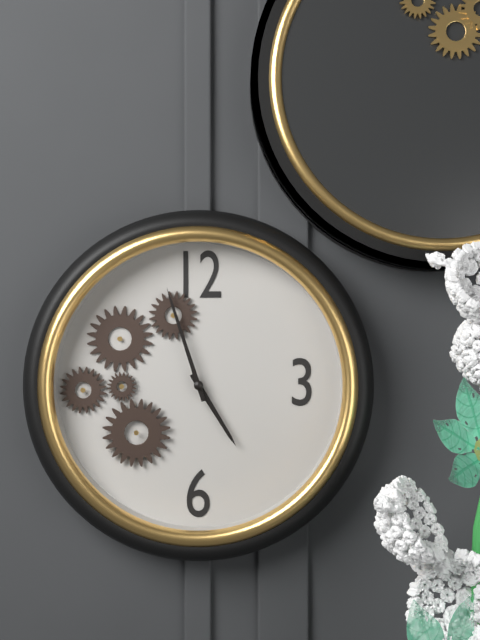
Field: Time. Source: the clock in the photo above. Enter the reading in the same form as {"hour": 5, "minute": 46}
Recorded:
{"hour": 4, "minute": 57}
